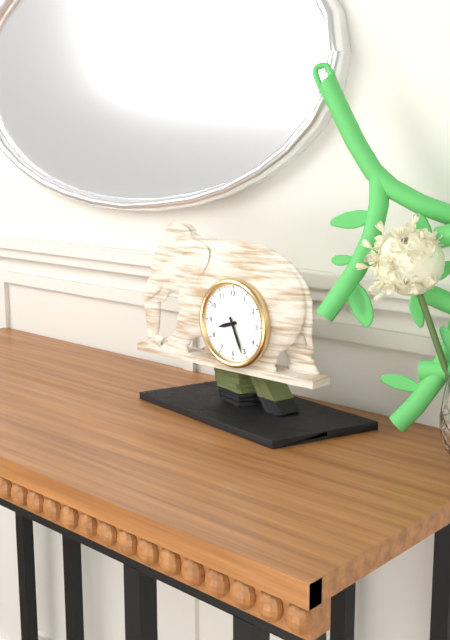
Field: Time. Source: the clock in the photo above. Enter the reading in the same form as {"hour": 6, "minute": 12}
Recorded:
{"hour": 8, "minute": 26}
